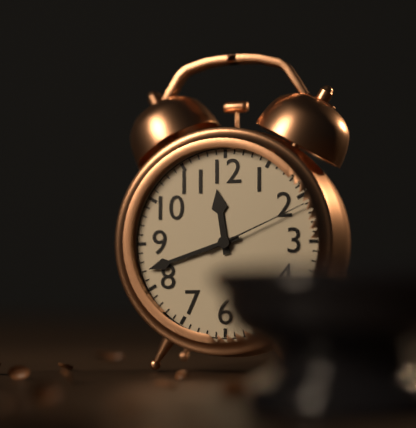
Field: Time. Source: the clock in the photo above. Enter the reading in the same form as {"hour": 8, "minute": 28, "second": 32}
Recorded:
{"hour": 11, "minute": 42, "second": 11}
